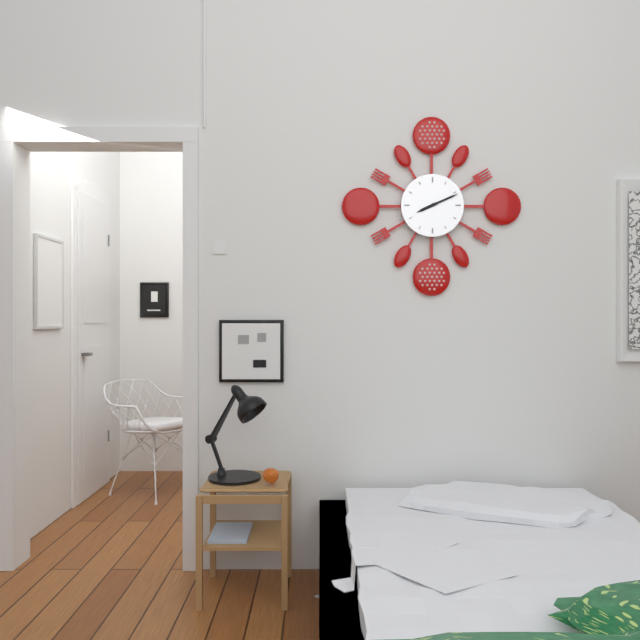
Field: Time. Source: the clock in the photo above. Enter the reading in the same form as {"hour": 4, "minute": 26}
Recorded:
{"hour": 8, "minute": 11}
